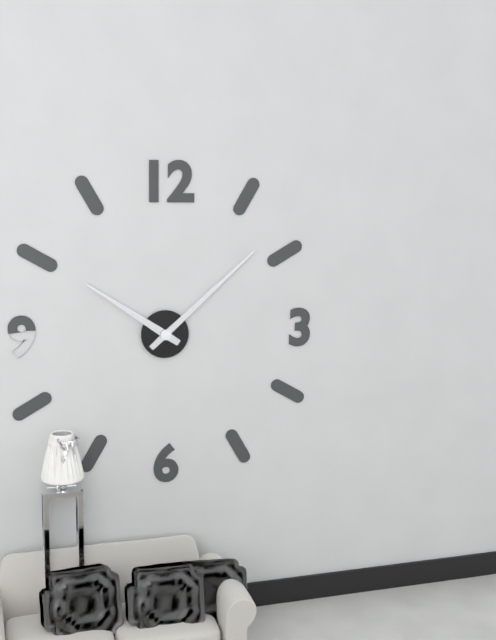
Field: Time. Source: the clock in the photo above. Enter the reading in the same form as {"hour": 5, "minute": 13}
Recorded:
{"hour": 10, "minute": 8}
